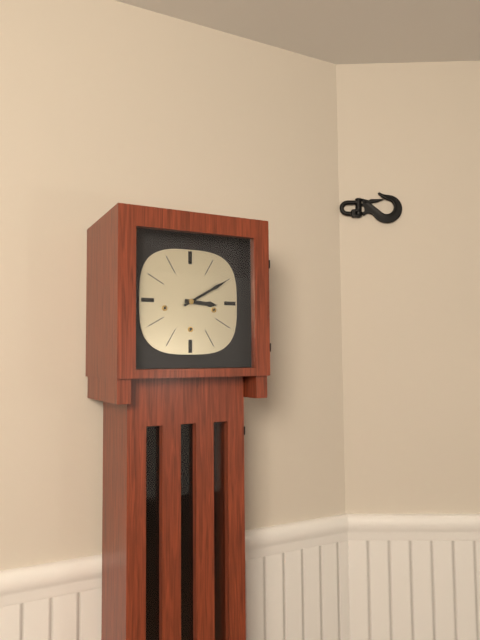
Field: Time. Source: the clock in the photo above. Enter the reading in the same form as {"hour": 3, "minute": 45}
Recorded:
{"hour": 3, "minute": 10}
